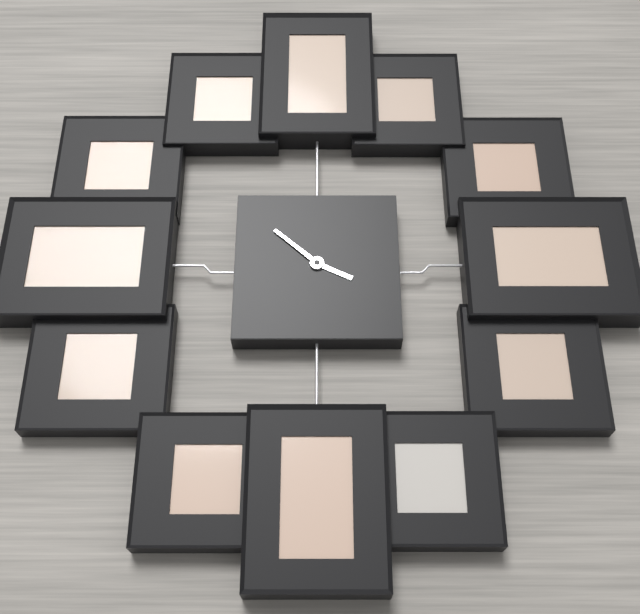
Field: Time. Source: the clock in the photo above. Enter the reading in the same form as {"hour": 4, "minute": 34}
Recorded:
{"hour": 3, "minute": 52}
